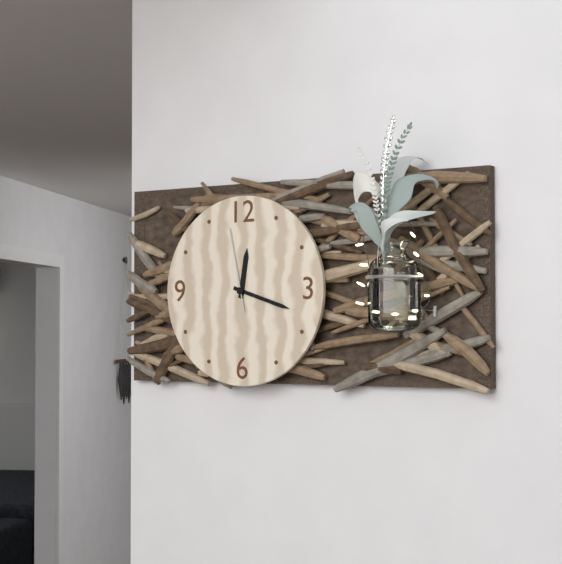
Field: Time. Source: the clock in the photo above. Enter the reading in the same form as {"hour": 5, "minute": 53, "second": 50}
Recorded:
{"hour": 12, "minute": 18, "second": 58}
